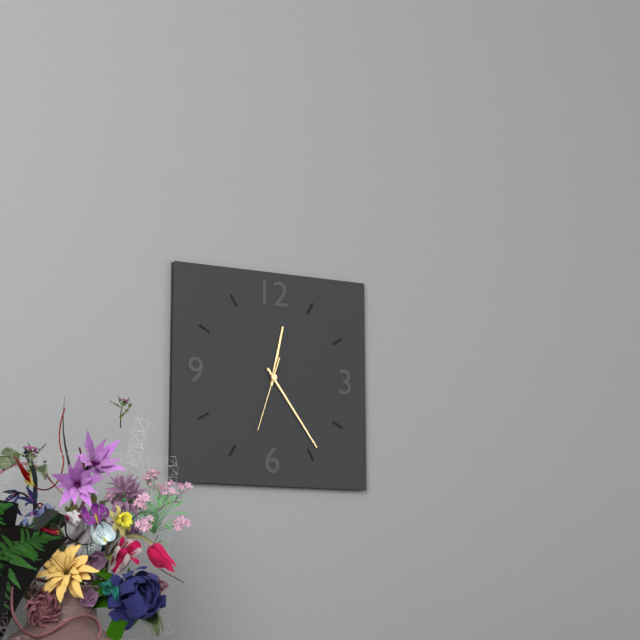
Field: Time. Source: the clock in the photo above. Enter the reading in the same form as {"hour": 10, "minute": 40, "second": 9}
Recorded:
{"hour": 12, "minute": 24, "second": 33}
